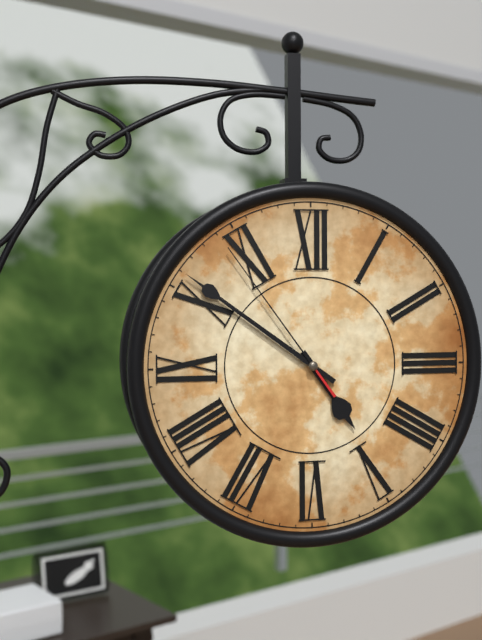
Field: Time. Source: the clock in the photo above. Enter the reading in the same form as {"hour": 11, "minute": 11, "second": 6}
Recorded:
{"hour": 4, "minute": 51, "second": 54}
